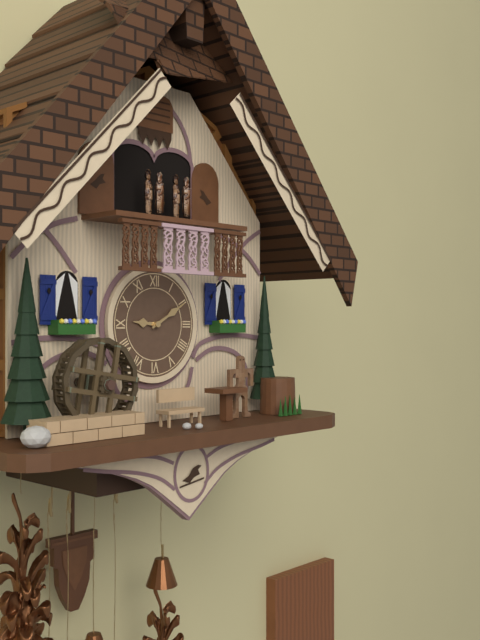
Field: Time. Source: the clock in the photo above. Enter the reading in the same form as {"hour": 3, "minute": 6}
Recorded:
{"hour": 9, "minute": 10}
